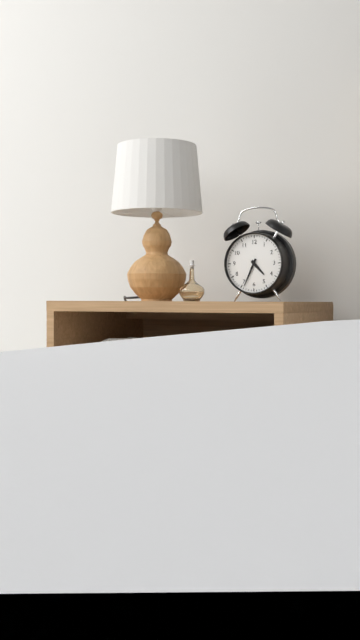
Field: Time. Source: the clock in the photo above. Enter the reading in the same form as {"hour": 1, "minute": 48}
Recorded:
{"hour": 4, "minute": 34}
